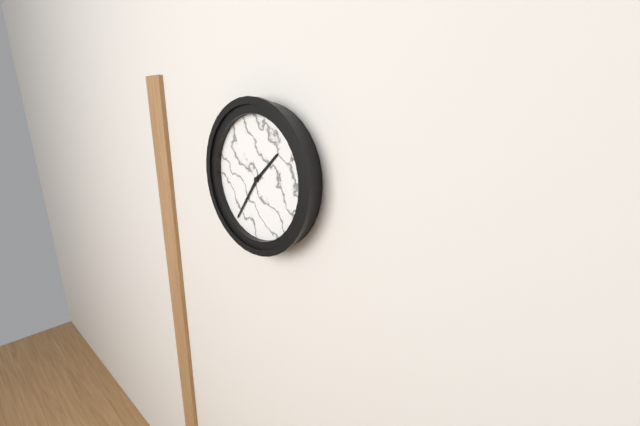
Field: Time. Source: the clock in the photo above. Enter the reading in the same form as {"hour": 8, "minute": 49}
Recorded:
{"hour": 1, "minute": 36}
